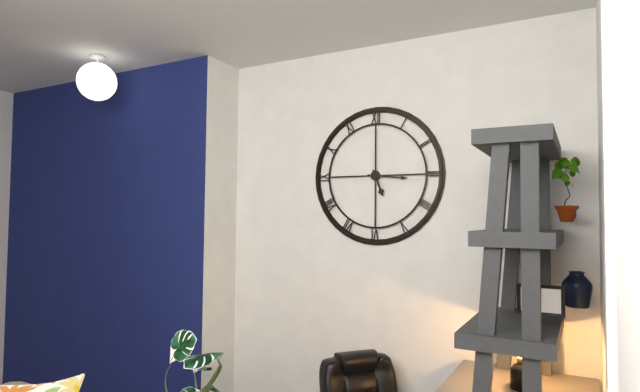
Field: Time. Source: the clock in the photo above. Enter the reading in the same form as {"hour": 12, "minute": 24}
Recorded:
{"hour": 5, "minute": 16}
